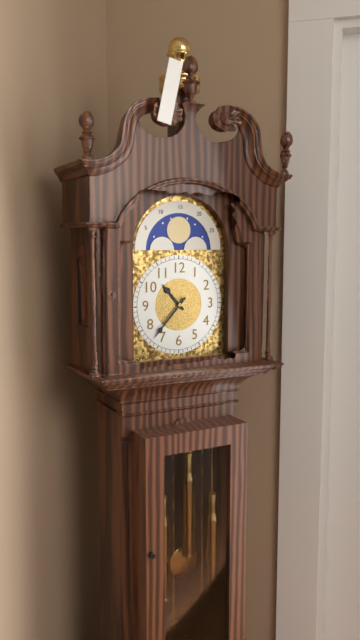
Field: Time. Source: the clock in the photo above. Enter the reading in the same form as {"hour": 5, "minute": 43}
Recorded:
{"hour": 10, "minute": 37}
